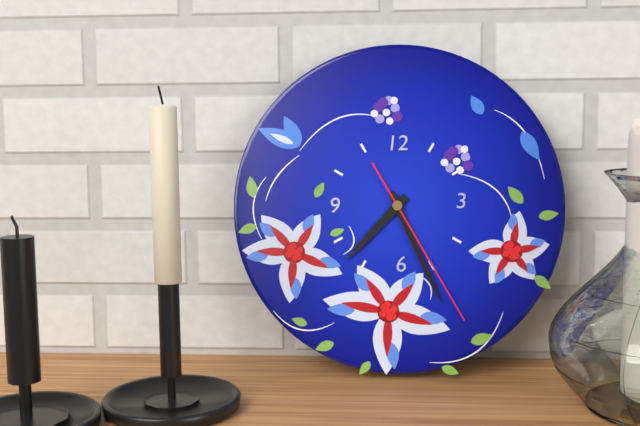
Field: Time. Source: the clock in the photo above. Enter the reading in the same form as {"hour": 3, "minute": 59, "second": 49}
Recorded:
{"hour": 7, "minute": 26, "second": 25}
